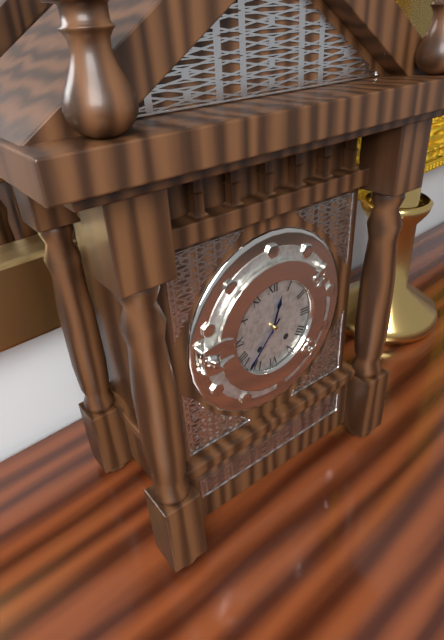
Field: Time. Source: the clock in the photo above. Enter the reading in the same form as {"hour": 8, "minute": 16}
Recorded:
{"hour": 12, "minute": 37}
